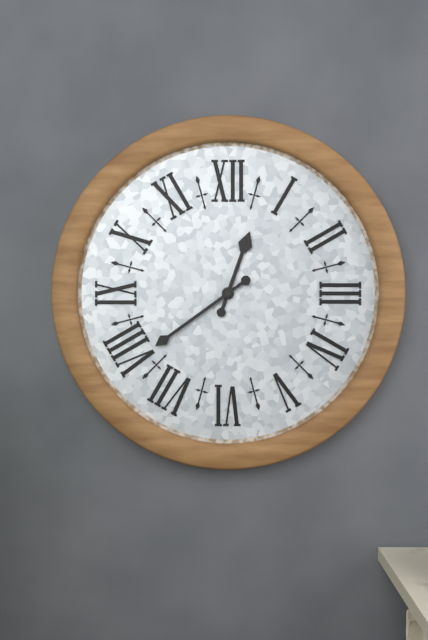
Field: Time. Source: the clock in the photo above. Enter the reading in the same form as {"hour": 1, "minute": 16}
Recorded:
{"hour": 12, "minute": 39}
